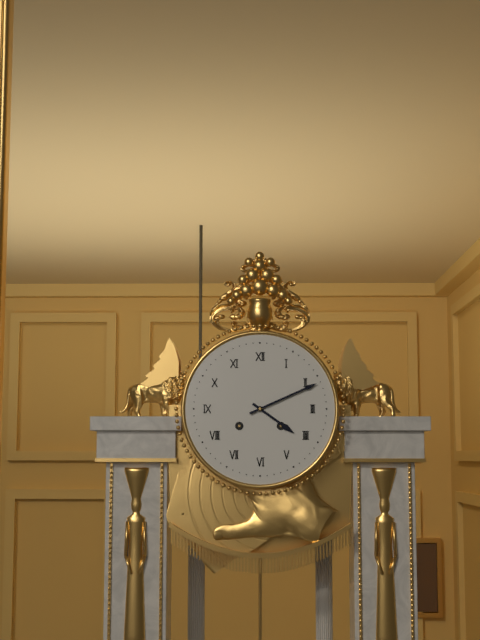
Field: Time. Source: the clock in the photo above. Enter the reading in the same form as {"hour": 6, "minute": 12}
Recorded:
{"hour": 4, "minute": 11}
